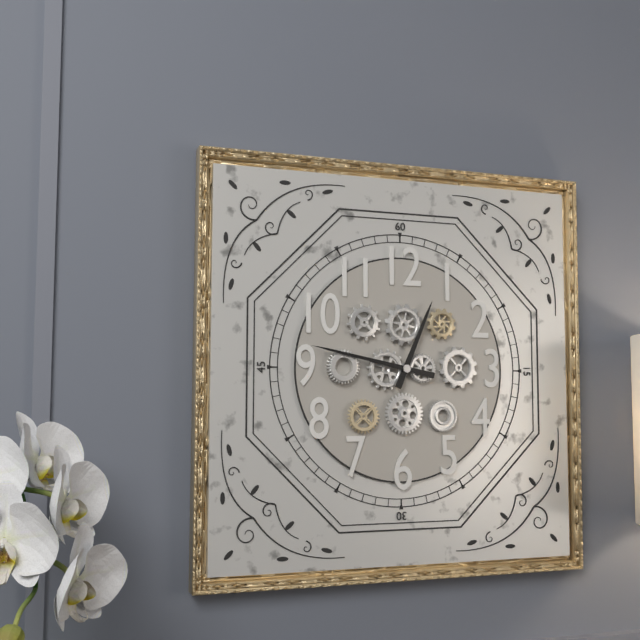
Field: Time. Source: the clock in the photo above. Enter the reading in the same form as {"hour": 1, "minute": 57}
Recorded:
{"hour": 12, "minute": 47}
